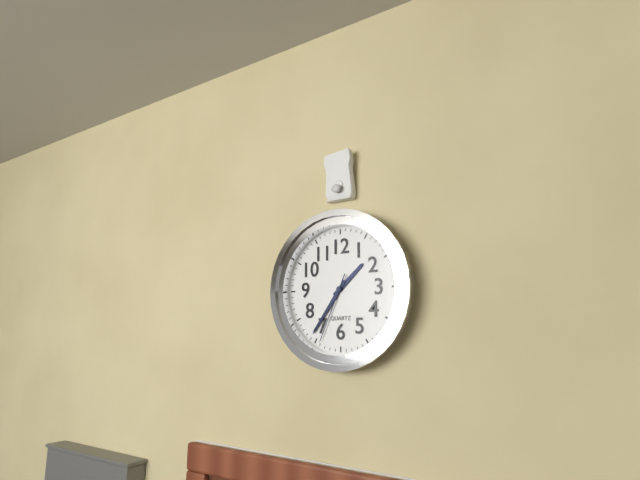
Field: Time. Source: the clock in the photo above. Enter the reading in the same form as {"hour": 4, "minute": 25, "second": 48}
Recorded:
{"hour": 1, "minute": 36, "second": 34}
